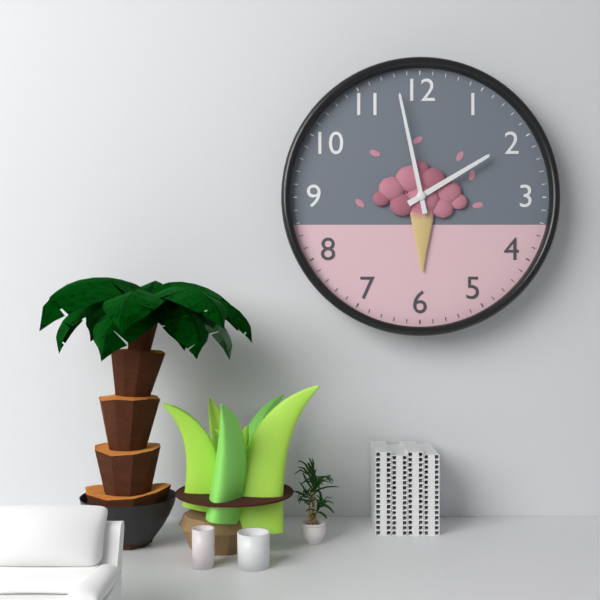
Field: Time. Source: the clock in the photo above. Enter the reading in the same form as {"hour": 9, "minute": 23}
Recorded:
{"hour": 1, "minute": 58}
